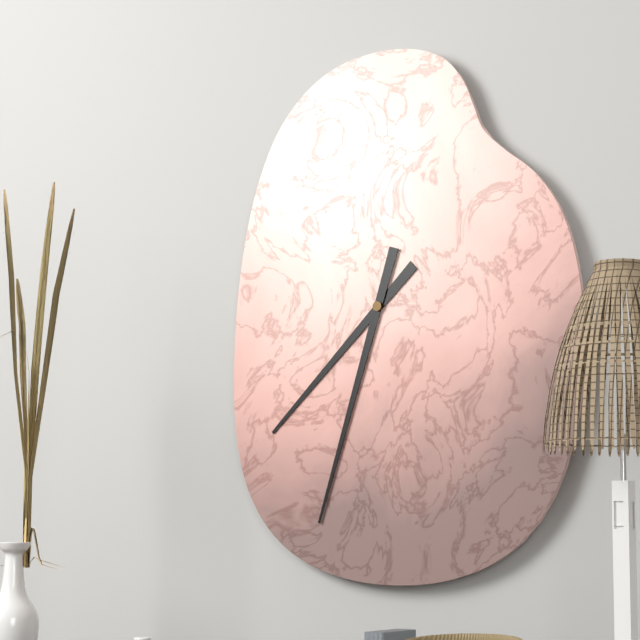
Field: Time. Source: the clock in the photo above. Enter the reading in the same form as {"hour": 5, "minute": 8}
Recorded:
{"hour": 7, "minute": 33}
